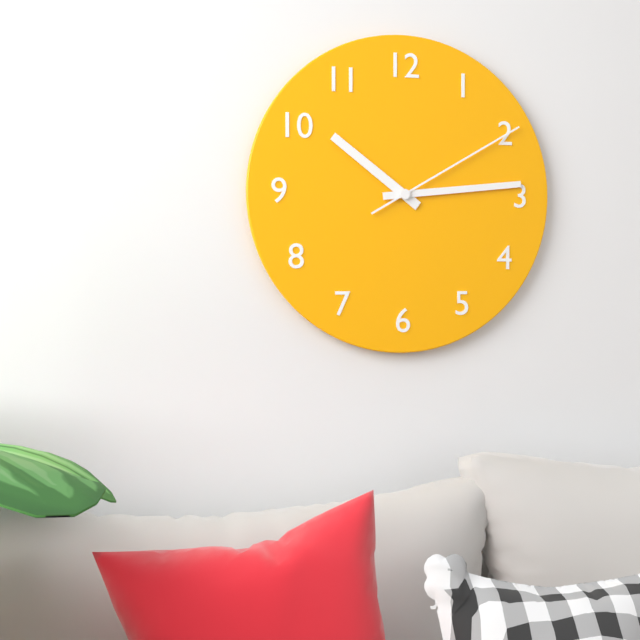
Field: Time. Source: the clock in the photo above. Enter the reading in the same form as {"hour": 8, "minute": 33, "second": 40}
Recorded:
{"hour": 10, "minute": 14, "second": 10}
